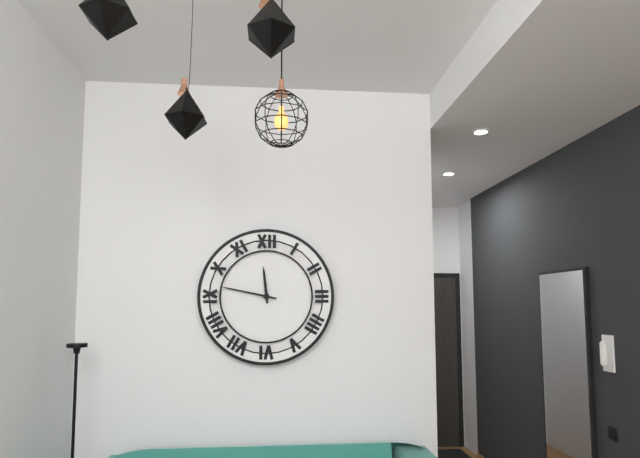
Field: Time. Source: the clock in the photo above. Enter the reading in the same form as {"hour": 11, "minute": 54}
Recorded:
{"hour": 11, "minute": 47}
